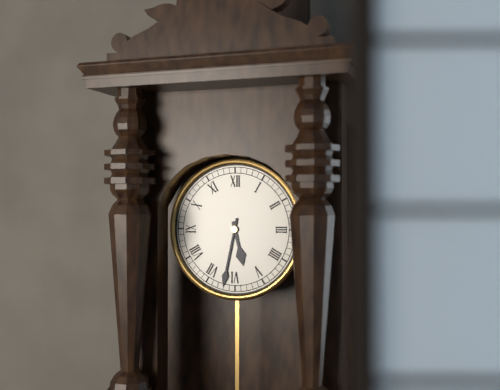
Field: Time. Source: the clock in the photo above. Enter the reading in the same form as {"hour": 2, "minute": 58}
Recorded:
{"hour": 5, "minute": 32}
